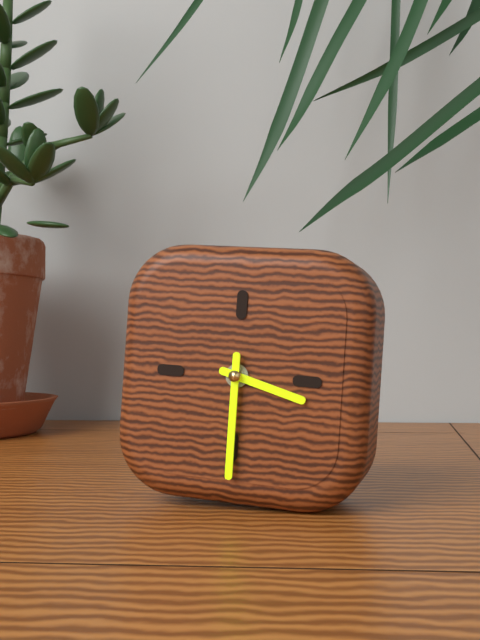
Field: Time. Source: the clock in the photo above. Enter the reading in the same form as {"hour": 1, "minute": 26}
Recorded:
{"hour": 3, "minute": 30}
